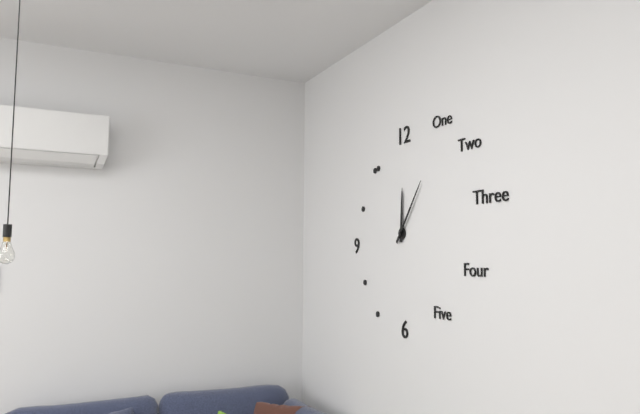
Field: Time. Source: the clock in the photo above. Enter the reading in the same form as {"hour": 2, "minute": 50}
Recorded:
{"hour": 12, "minute": 6}
